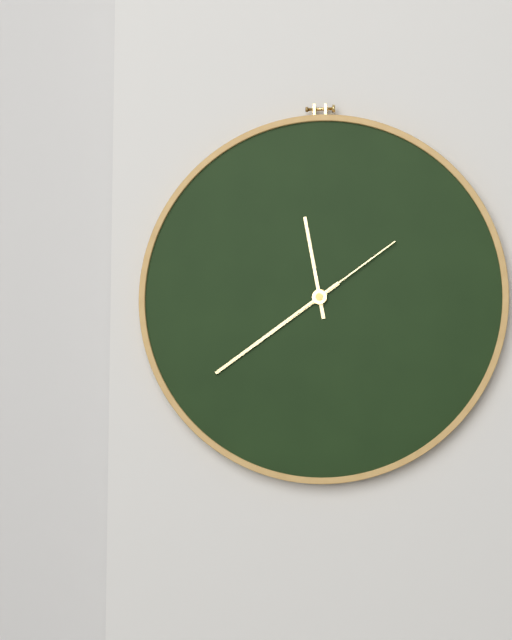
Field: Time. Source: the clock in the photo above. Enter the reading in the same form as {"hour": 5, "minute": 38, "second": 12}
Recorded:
{"hour": 11, "minute": 39, "second": 9}
